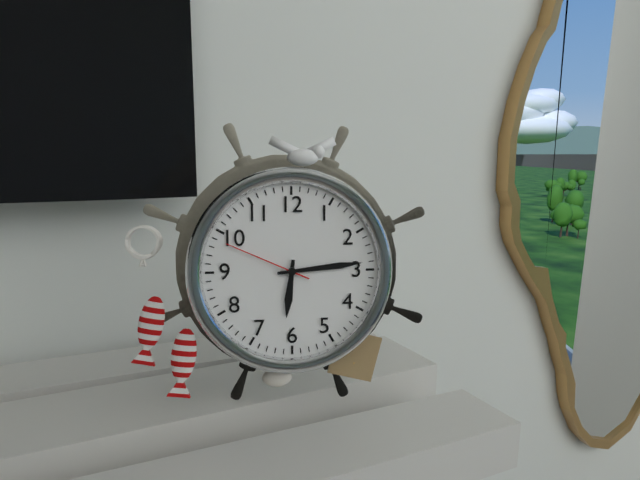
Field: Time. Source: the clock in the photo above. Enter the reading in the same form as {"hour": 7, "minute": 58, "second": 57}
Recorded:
{"hour": 6, "minute": 14, "second": 49}
